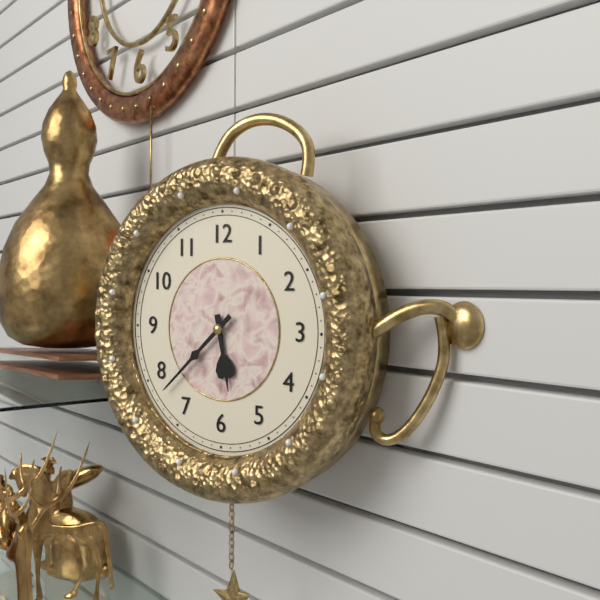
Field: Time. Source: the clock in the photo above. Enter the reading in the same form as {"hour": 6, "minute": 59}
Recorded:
{"hour": 5, "minute": 38}
